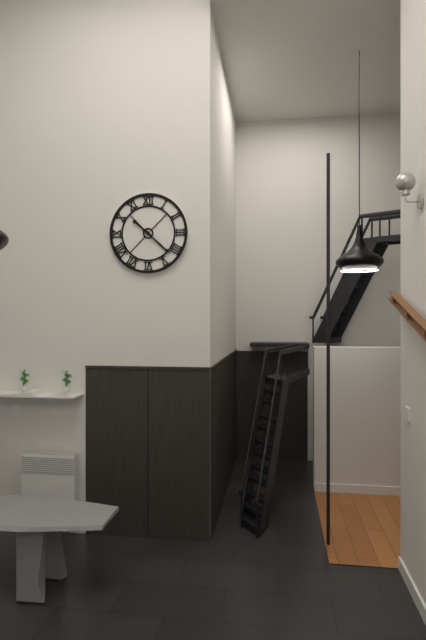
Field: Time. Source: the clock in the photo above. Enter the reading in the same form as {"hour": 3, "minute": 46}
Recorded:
{"hour": 10, "minute": 22}
